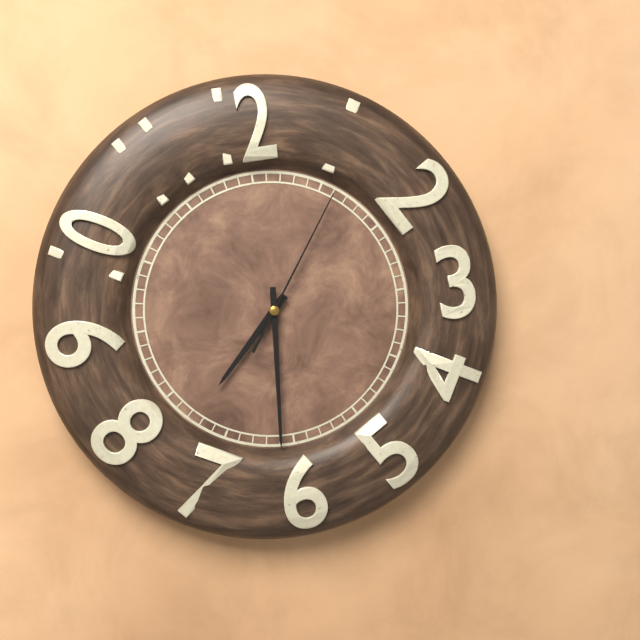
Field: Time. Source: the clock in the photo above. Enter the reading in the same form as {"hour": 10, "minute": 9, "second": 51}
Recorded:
{"hour": 7, "minute": 31, "second": 6}
